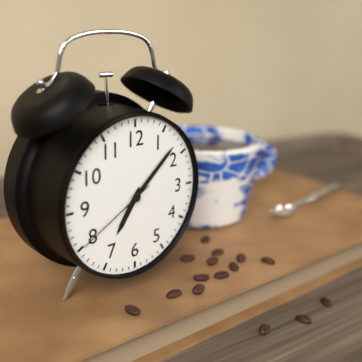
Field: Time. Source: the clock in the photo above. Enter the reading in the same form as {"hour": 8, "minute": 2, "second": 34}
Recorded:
{"hour": 7, "minute": 8, "second": 40}
